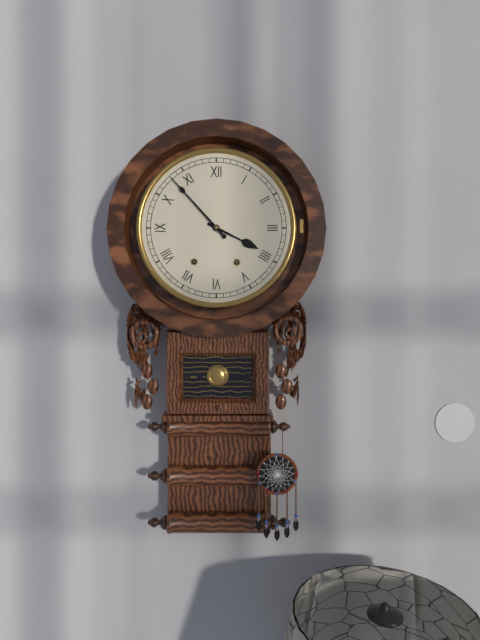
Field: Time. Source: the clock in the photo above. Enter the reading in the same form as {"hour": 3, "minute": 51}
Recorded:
{"hour": 3, "minute": 53}
